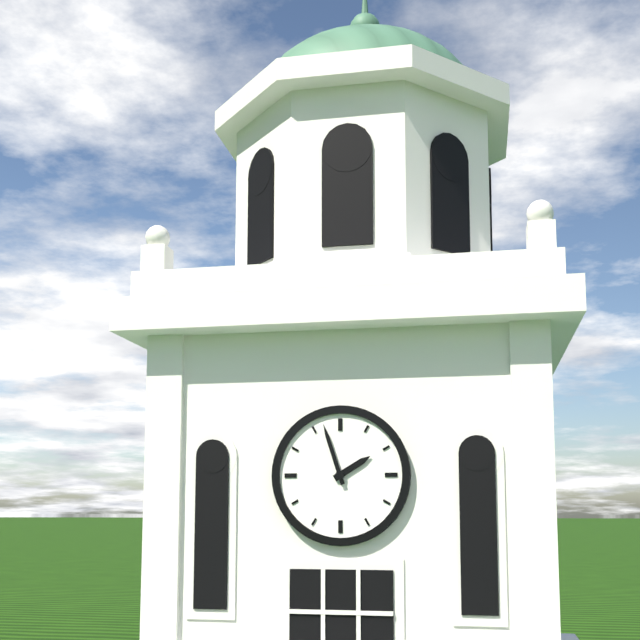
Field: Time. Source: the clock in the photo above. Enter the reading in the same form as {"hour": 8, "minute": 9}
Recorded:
{"hour": 1, "minute": 57}
